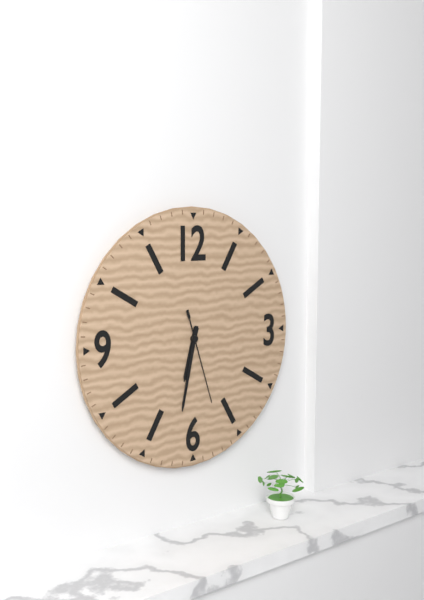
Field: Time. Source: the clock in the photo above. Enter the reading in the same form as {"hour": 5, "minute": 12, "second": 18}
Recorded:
{"hour": 6, "minute": 32, "second": 27}
